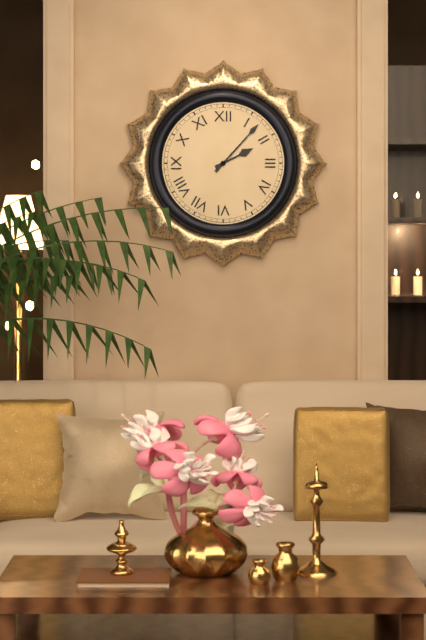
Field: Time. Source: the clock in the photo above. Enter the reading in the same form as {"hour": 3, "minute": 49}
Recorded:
{"hour": 2, "minute": 7}
